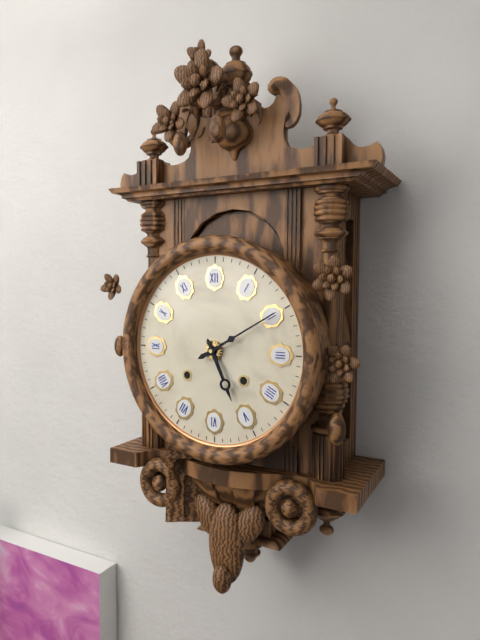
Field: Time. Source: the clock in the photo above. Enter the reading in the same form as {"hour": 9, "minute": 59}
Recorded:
{"hour": 5, "minute": 10}
